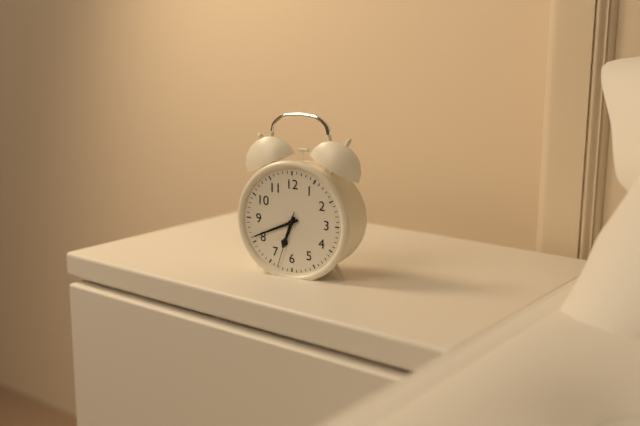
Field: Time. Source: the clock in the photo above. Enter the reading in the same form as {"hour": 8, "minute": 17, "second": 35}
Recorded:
{"hour": 6, "minute": 41, "second": 33}
